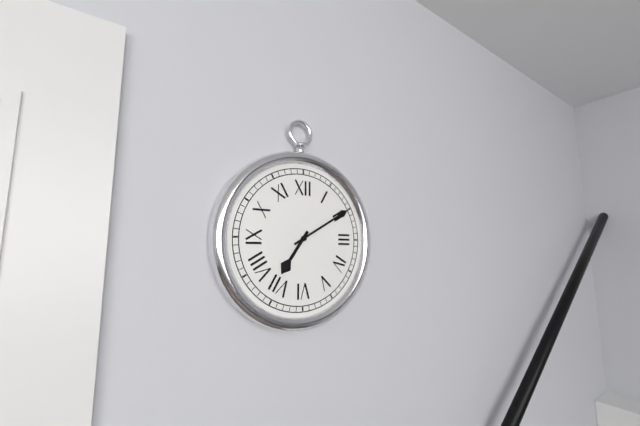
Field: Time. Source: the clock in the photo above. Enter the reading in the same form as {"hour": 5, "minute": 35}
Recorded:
{"hour": 7, "minute": 10}
